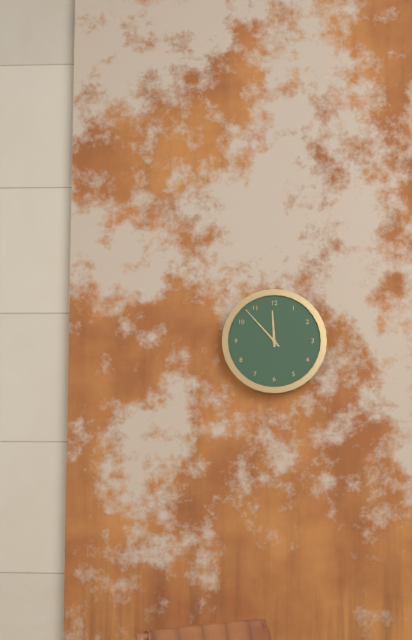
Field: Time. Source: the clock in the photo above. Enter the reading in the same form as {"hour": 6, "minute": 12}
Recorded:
{"hour": 11, "minute": 53}
